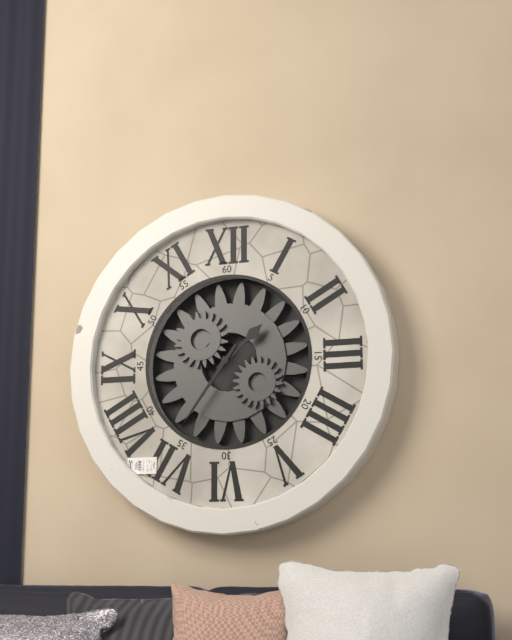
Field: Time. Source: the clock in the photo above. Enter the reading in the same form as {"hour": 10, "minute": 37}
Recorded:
{"hour": 1, "minute": 36}
